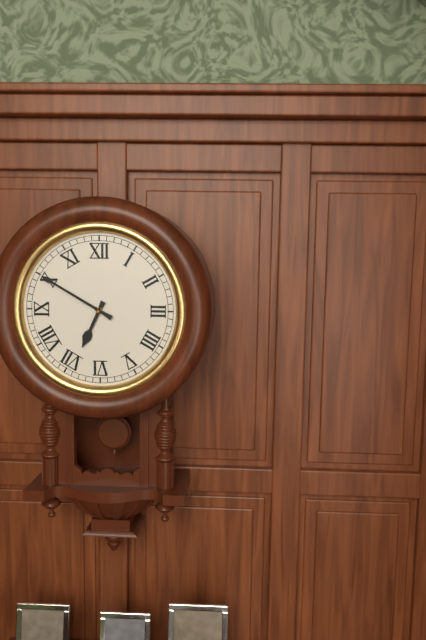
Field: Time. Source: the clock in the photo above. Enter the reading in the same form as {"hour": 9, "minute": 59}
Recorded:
{"hour": 6, "minute": 50}
